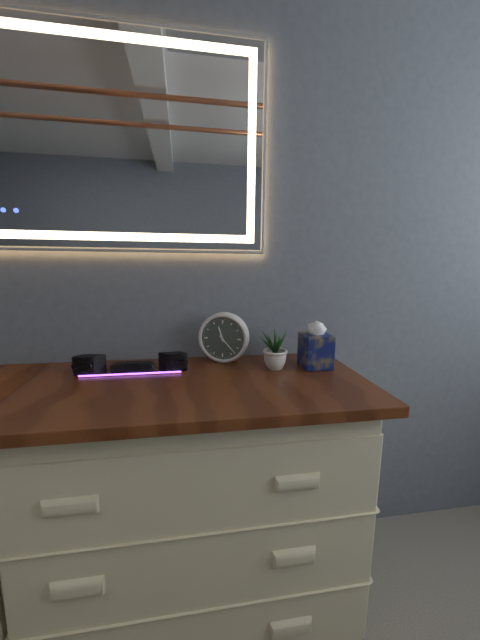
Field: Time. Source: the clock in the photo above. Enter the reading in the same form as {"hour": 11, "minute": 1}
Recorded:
{"hour": 11, "minute": 23}
